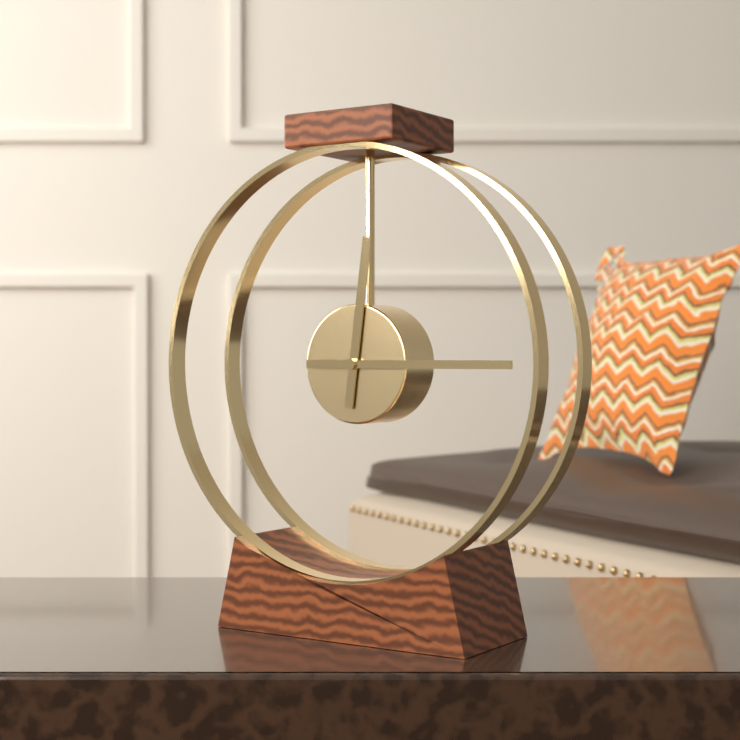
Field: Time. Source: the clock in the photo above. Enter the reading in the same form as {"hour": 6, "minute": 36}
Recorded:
{"hour": 12, "minute": 15}
